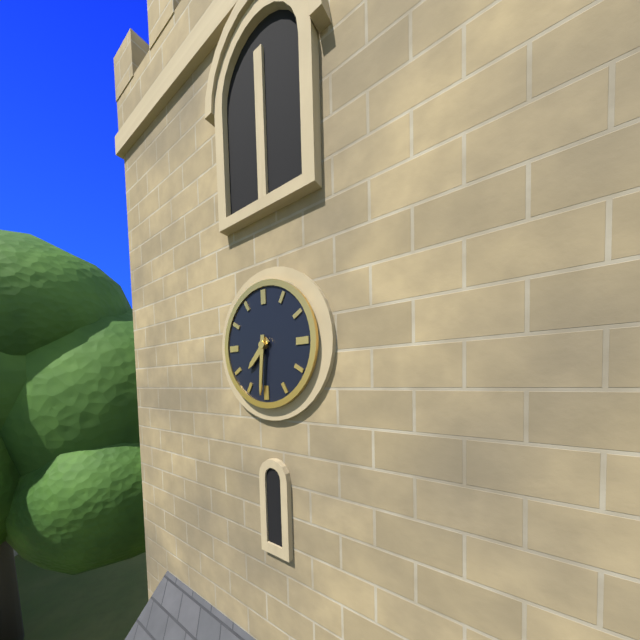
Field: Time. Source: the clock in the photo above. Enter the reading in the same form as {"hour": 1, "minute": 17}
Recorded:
{"hour": 7, "minute": 31}
